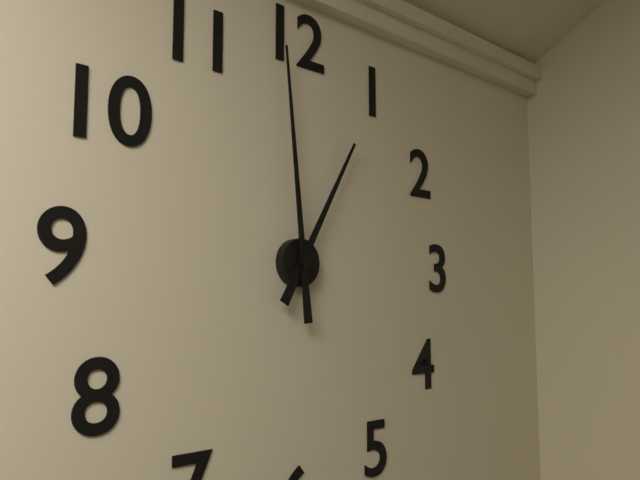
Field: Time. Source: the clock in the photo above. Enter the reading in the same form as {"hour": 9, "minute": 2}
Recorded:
{"hour": 12, "minute": 59}
